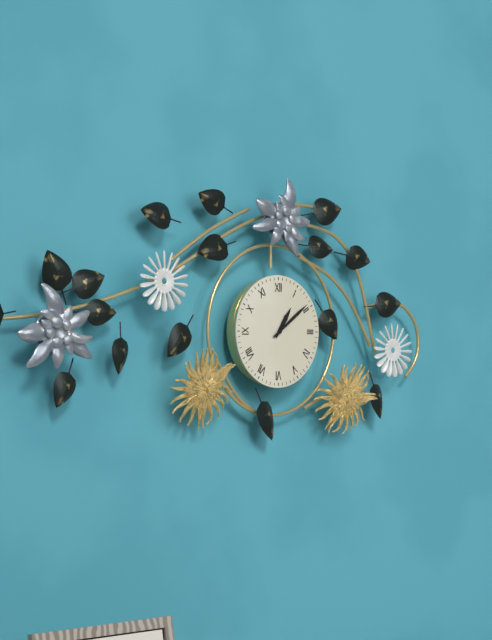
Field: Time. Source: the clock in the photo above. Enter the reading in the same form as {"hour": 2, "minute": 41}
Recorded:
{"hour": 1, "minute": 9}
